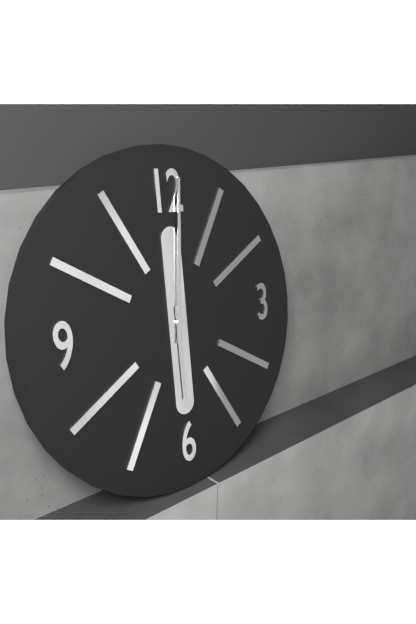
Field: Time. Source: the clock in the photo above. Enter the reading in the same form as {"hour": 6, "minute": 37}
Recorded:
{"hour": 6, "minute": 1}
